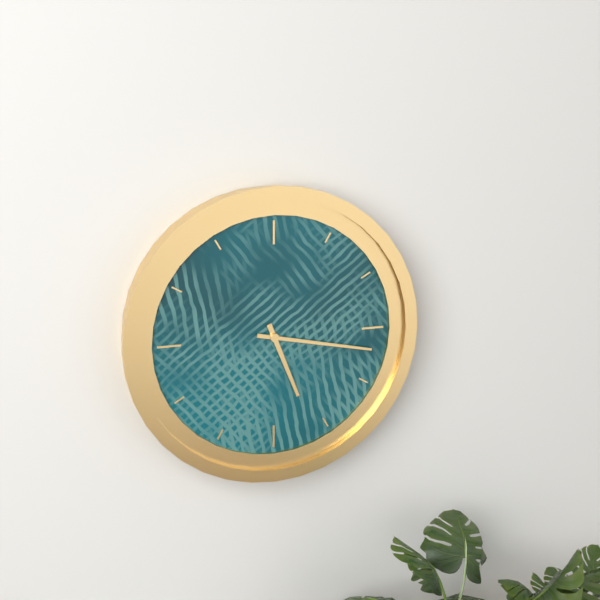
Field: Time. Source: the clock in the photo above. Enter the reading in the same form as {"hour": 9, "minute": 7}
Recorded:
{"hour": 5, "minute": 17}
